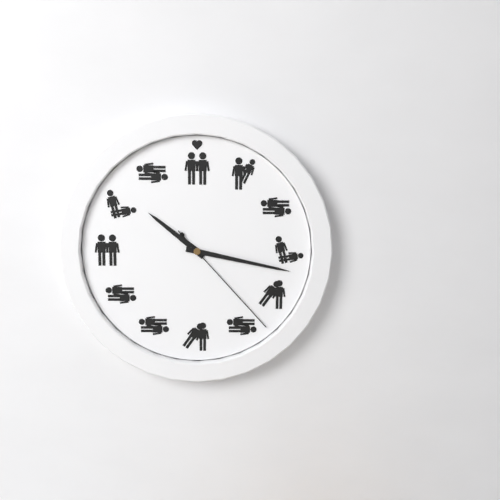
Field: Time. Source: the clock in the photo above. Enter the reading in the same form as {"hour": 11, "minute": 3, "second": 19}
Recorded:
{"hour": 10, "minute": 17, "second": 23}
